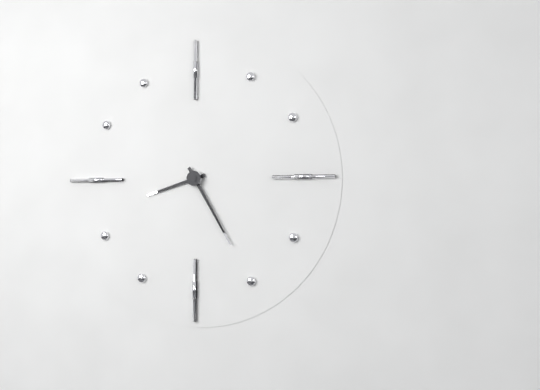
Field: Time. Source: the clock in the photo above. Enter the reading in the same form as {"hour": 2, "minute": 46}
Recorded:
{"hour": 8, "minute": 25}
